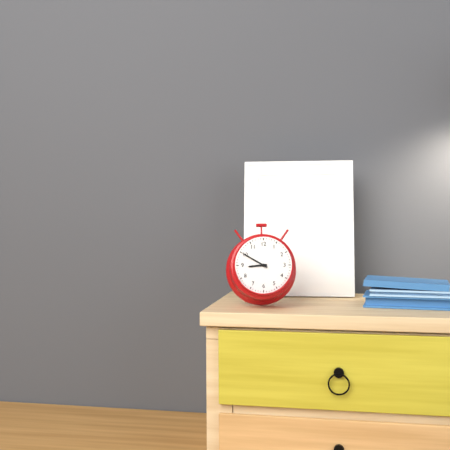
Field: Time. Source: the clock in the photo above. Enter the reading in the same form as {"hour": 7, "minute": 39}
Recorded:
{"hour": 8, "minute": 50}
